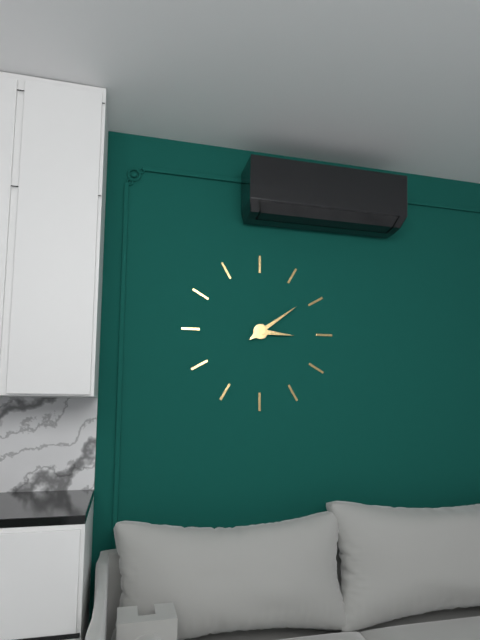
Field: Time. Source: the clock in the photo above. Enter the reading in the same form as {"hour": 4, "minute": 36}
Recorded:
{"hour": 3, "minute": 9}
